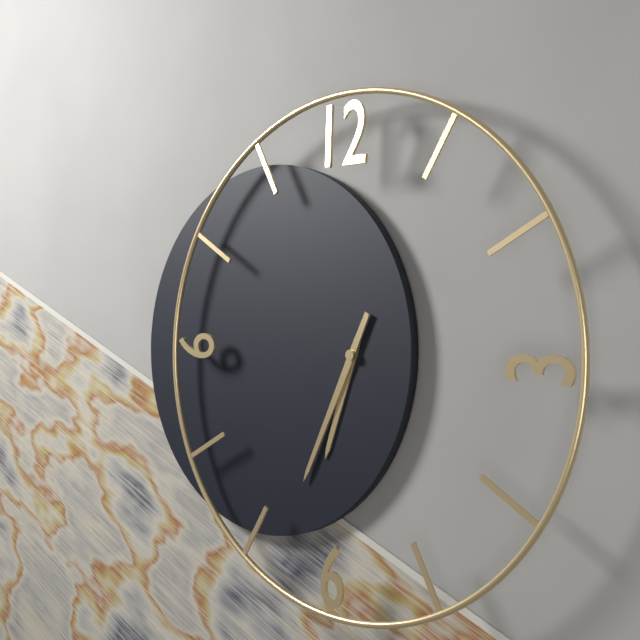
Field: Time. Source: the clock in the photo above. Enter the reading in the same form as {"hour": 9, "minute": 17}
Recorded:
{"hour": 6, "minute": 34}
